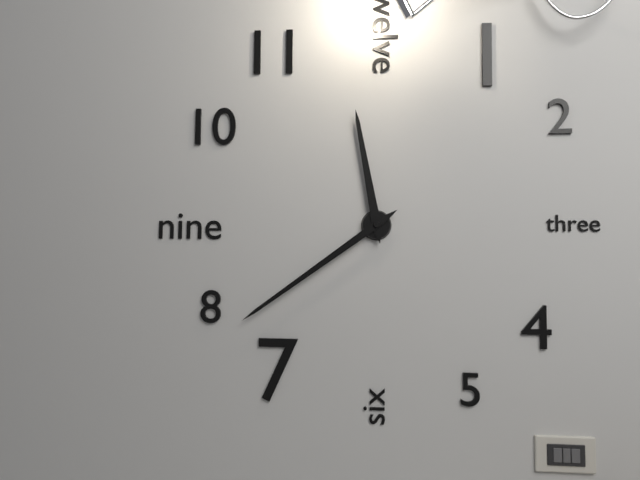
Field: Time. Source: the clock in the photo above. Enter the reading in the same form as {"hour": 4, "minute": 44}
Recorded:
{"hour": 11, "minute": 39}
